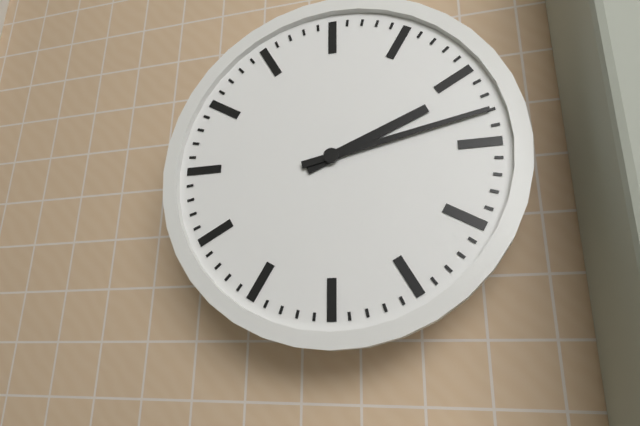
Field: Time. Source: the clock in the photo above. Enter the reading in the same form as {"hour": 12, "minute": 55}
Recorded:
{"hour": 2, "minute": 13}
